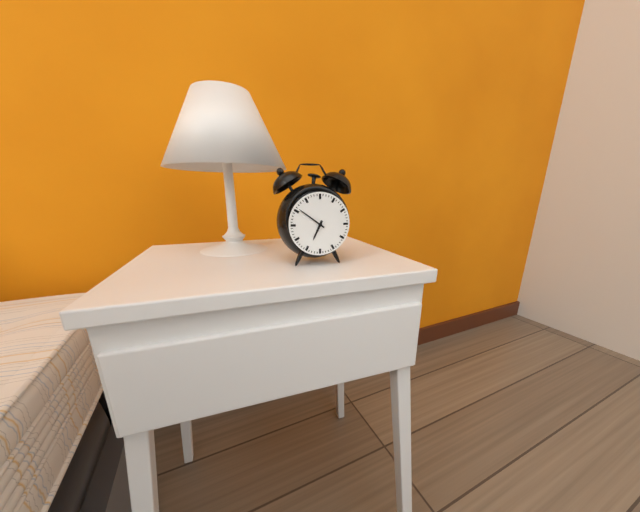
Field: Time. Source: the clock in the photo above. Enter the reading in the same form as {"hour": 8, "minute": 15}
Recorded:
{"hour": 6, "minute": 51}
